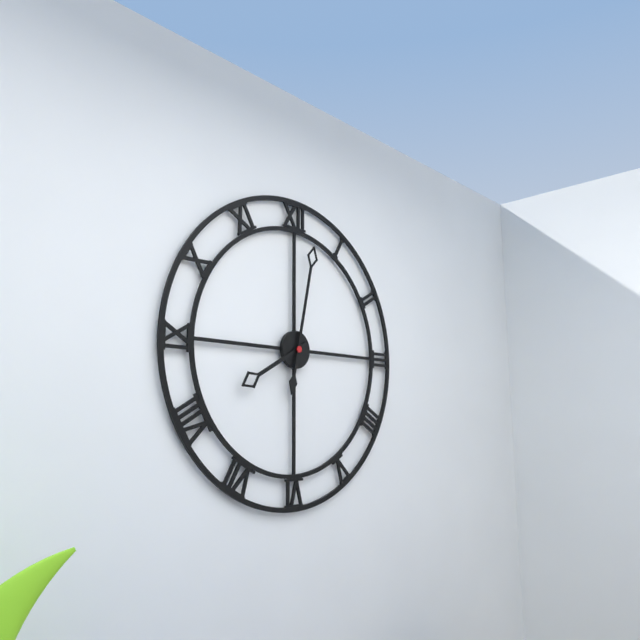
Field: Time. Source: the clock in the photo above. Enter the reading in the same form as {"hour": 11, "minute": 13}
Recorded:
{"hour": 8, "minute": 2}
